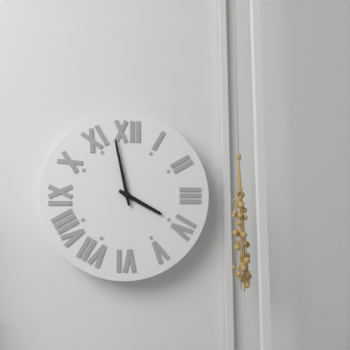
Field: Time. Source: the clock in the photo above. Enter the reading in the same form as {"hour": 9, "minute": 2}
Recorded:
{"hour": 3, "minute": 58}
